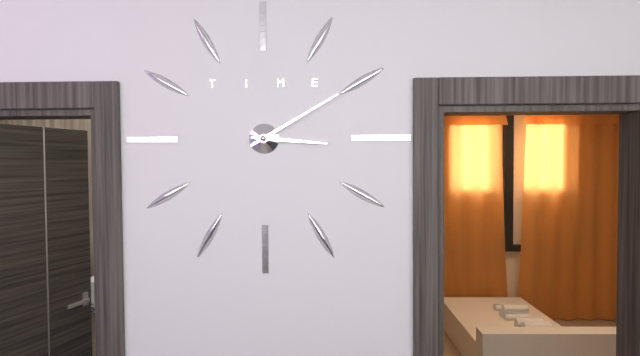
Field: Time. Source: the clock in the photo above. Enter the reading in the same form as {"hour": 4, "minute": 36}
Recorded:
{"hour": 3, "minute": 10}
